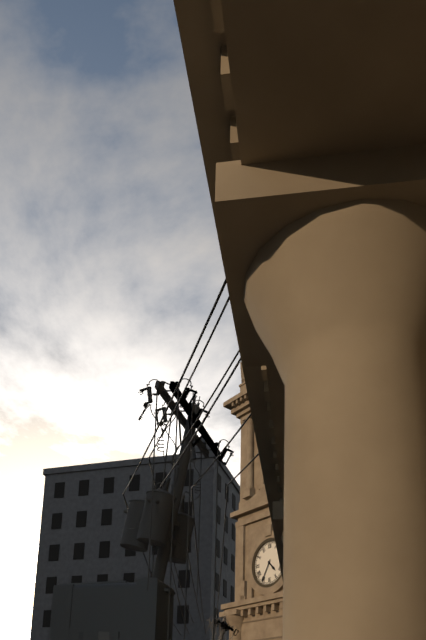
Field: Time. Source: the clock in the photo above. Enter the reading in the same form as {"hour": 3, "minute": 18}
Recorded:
{"hour": 4, "minute": 35}
